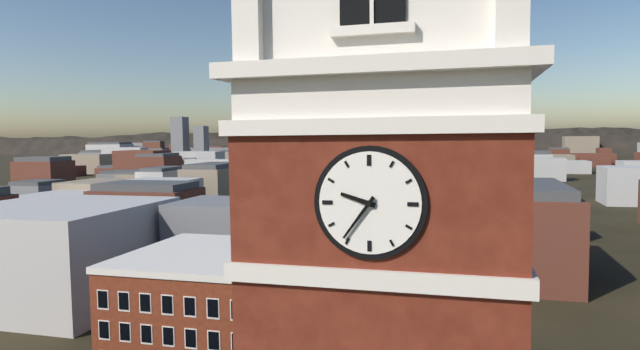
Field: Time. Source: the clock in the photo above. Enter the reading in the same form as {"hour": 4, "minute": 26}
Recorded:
{"hour": 9, "minute": 36}
